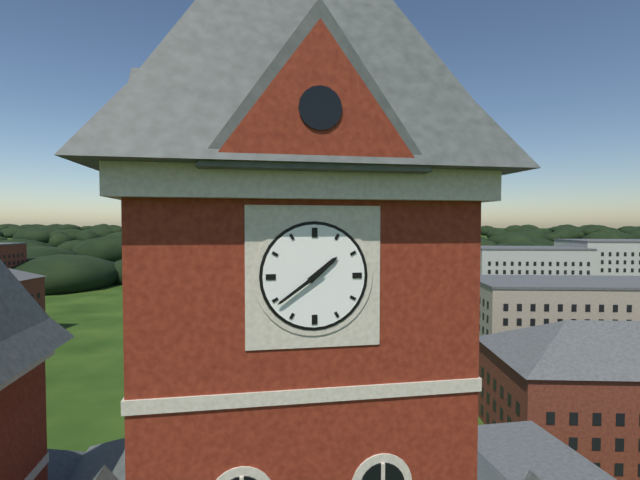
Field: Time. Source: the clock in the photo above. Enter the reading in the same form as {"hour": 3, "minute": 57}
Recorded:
{"hour": 1, "minute": 39}
